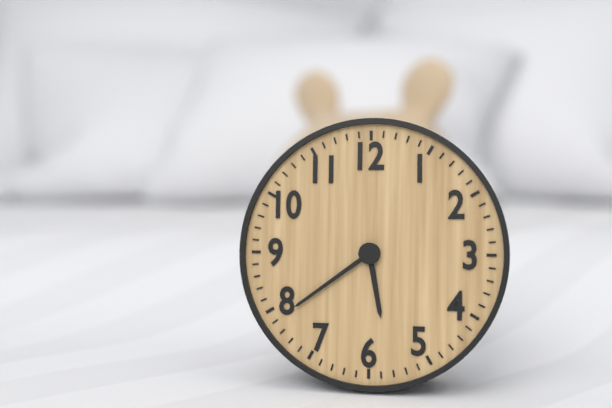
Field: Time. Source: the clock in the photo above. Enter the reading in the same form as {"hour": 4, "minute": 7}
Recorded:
{"hour": 5, "minute": 39}
